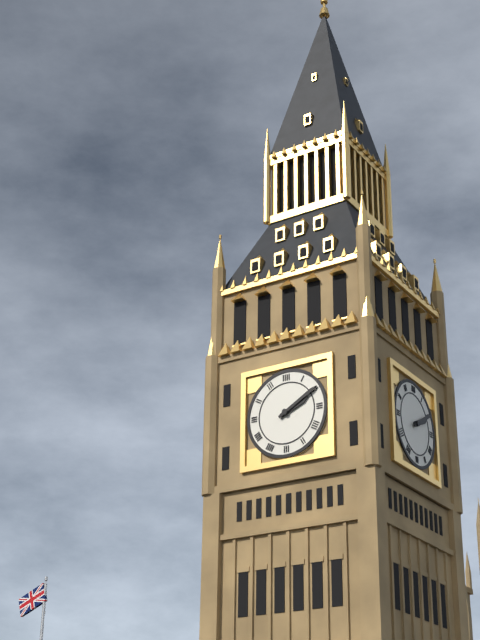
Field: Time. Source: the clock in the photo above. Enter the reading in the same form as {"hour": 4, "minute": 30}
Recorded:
{"hour": 2, "minute": 10}
